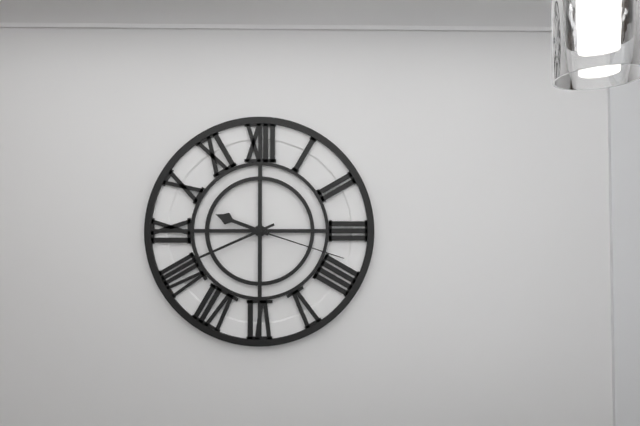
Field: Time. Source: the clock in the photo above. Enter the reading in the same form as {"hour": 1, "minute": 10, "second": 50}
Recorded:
{"hour": 9, "minute": 41, "second": 18}
